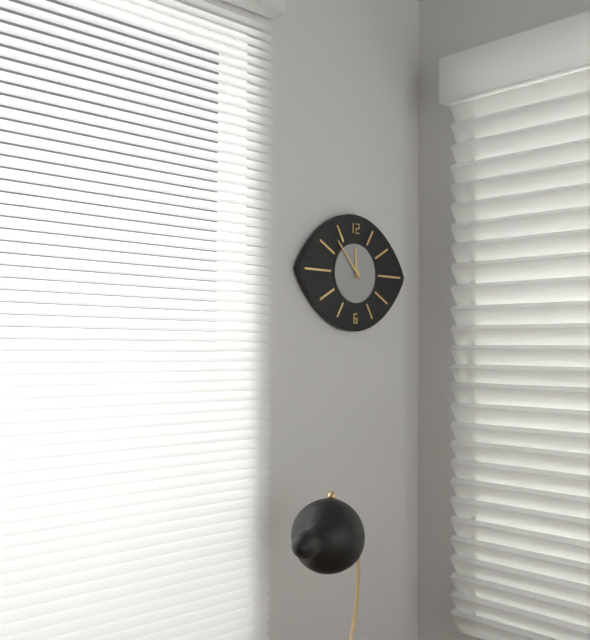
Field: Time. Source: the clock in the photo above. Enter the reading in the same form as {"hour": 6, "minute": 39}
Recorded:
{"hour": 11, "minute": 53}
